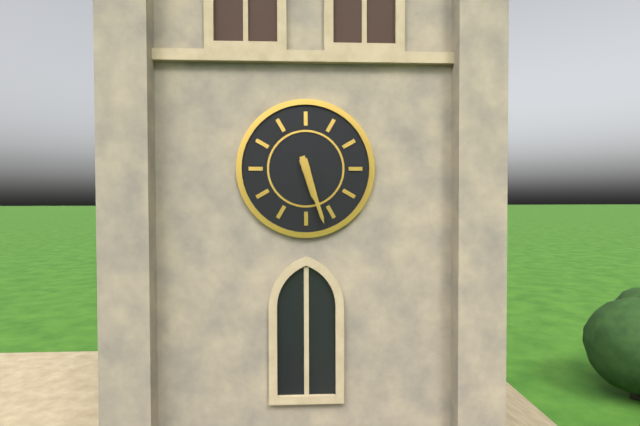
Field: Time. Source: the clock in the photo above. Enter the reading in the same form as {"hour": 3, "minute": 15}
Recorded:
{"hour": 5, "minute": 27}
